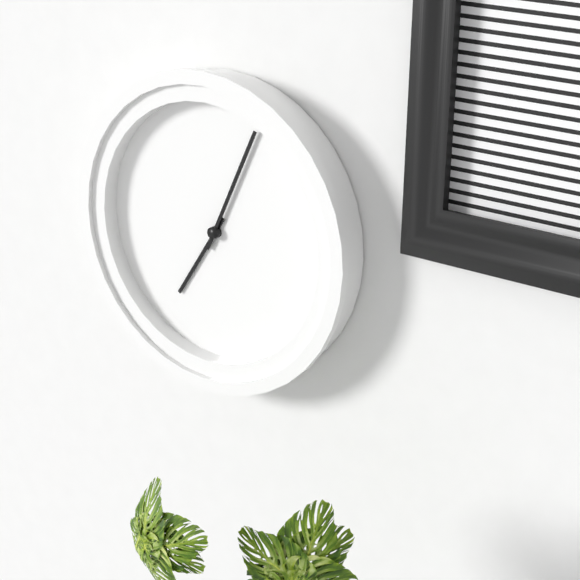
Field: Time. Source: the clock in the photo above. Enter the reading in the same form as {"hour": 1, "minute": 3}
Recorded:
{"hour": 7, "minute": 4}
